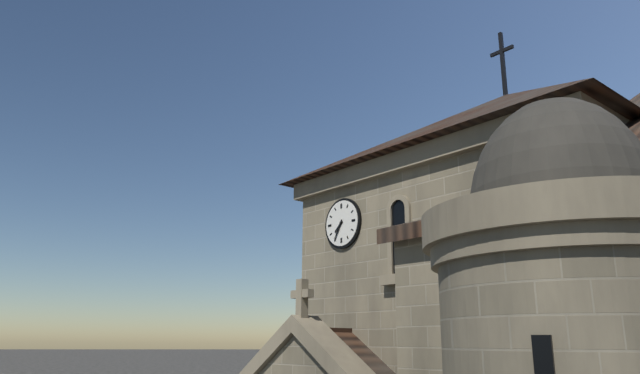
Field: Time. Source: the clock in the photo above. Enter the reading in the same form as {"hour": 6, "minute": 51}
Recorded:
{"hour": 7, "minute": 35}
